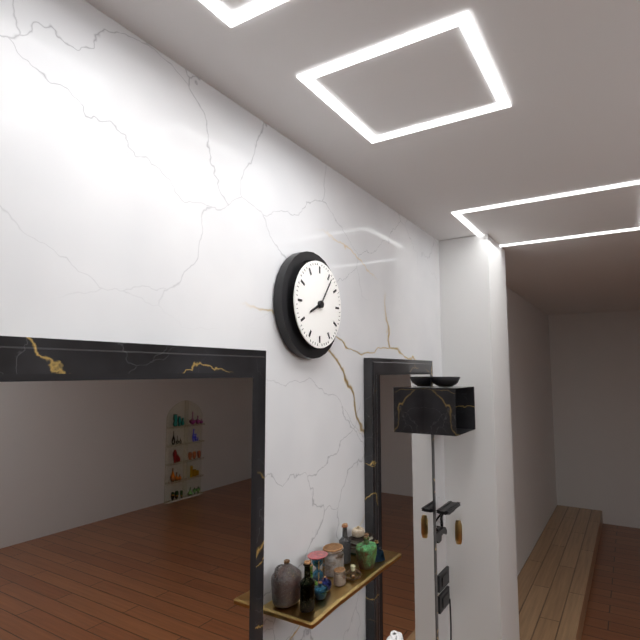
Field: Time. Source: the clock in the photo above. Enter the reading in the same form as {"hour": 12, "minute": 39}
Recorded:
{"hour": 8, "minute": 6}
